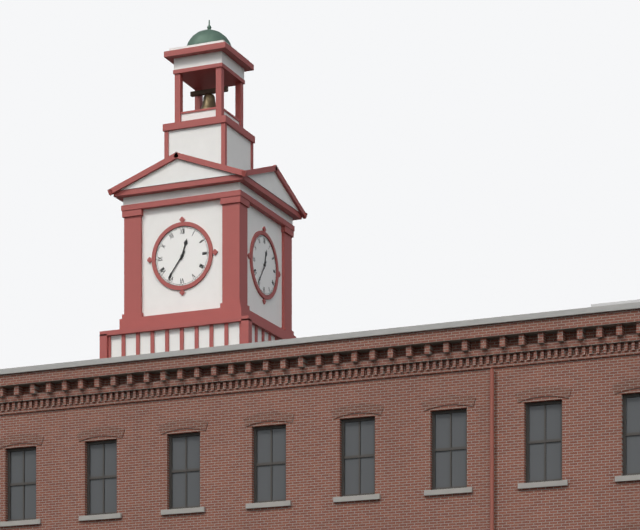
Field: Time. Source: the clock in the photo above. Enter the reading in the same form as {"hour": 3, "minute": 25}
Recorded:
{"hour": 12, "minute": 36}
